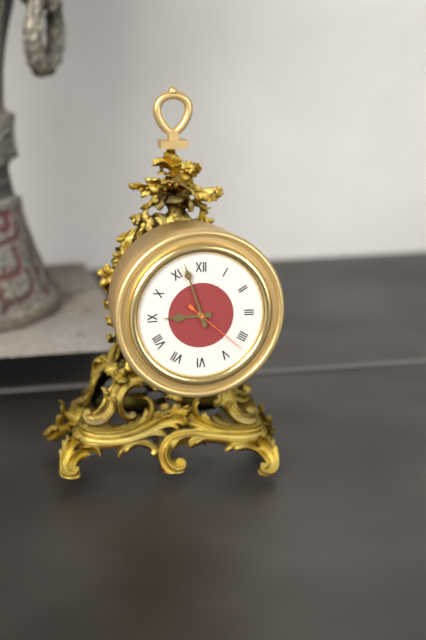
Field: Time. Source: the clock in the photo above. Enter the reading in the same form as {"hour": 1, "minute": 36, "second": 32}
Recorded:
{"hour": 8, "minute": 57, "second": 22}
